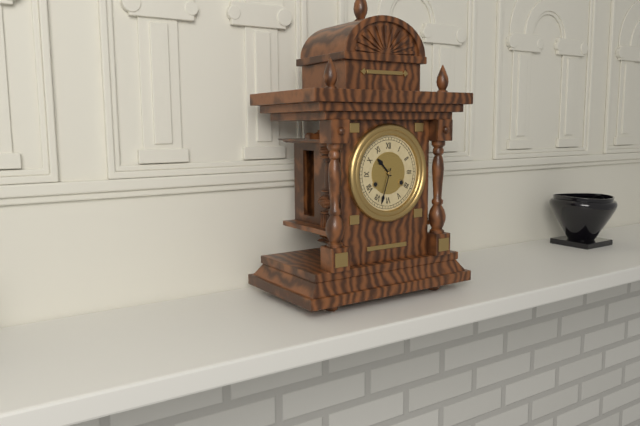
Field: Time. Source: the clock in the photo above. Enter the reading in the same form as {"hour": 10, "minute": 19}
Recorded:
{"hour": 10, "minute": 33}
